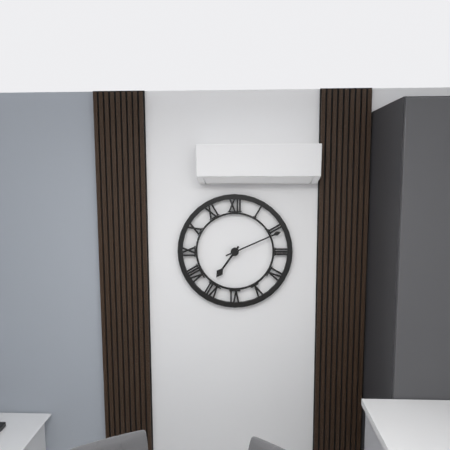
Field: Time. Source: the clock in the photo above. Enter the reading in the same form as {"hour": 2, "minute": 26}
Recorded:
{"hour": 7, "minute": 11}
